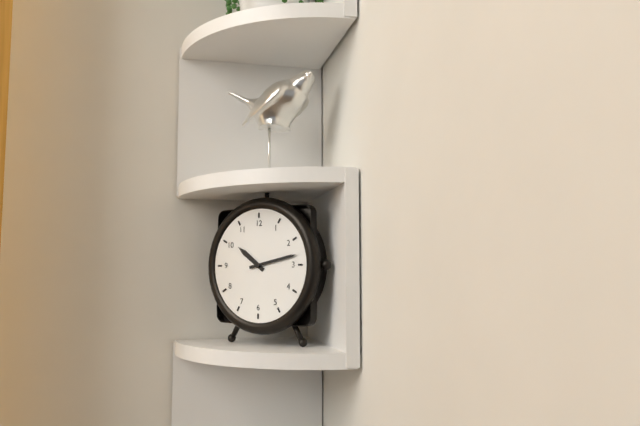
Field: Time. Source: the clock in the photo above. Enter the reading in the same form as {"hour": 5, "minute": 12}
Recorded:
{"hour": 10, "minute": 13}
